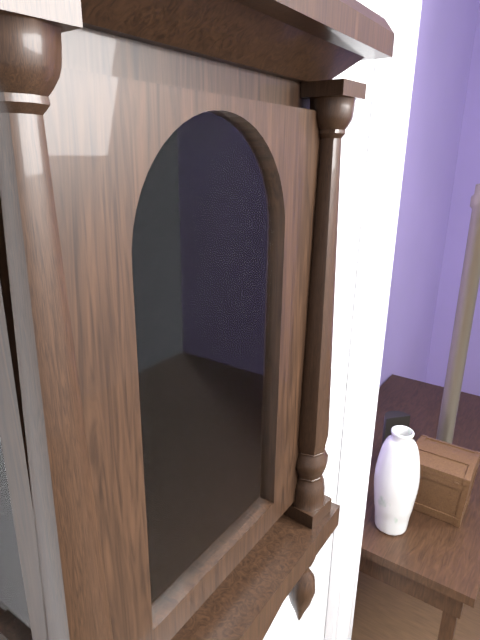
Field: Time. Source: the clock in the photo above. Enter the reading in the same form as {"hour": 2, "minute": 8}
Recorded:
{"hour": 10, "minute": 53}
